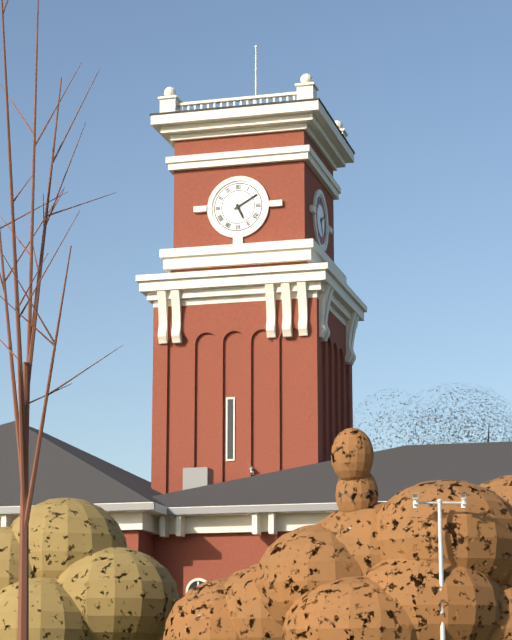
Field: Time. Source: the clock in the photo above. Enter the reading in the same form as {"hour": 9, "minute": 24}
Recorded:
{"hour": 5, "minute": 10}
